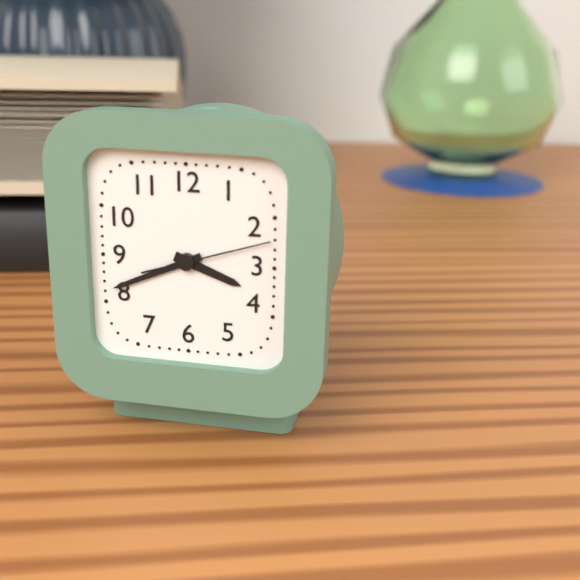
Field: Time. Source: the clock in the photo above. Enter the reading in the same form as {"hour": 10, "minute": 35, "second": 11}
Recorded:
{"hour": 3, "minute": 41, "second": 12}
